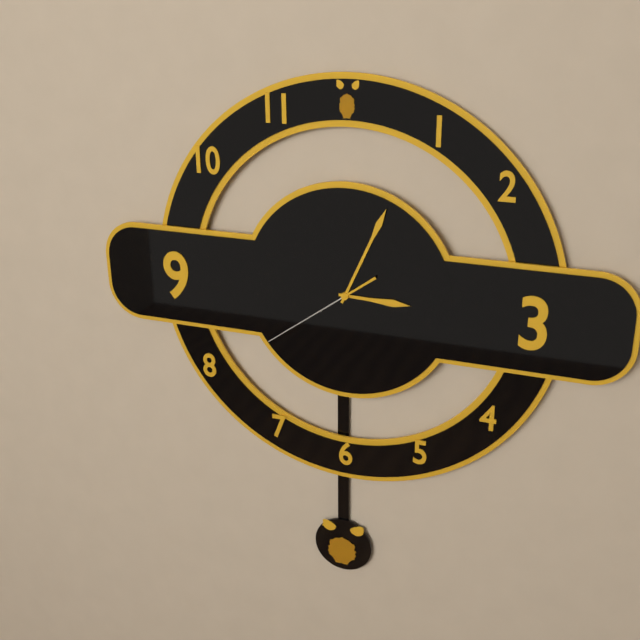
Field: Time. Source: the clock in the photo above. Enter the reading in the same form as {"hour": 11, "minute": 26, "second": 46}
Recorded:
{"hour": 3, "minute": 4, "second": 39}
